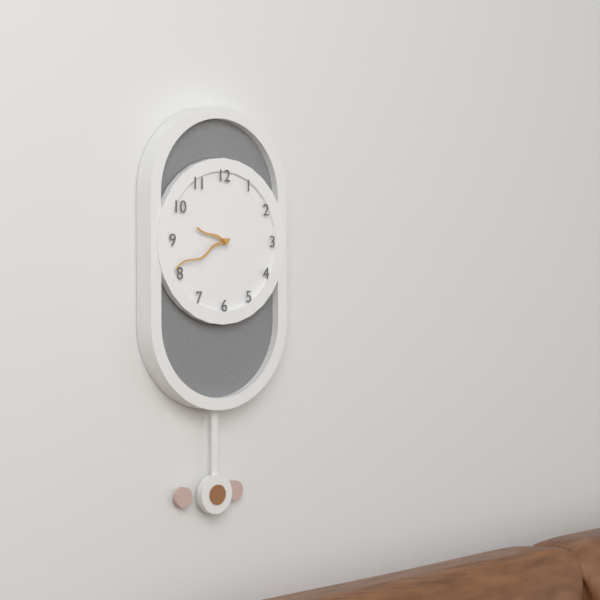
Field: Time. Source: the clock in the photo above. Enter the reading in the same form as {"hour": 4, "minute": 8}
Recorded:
{"hour": 9, "minute": 41}
